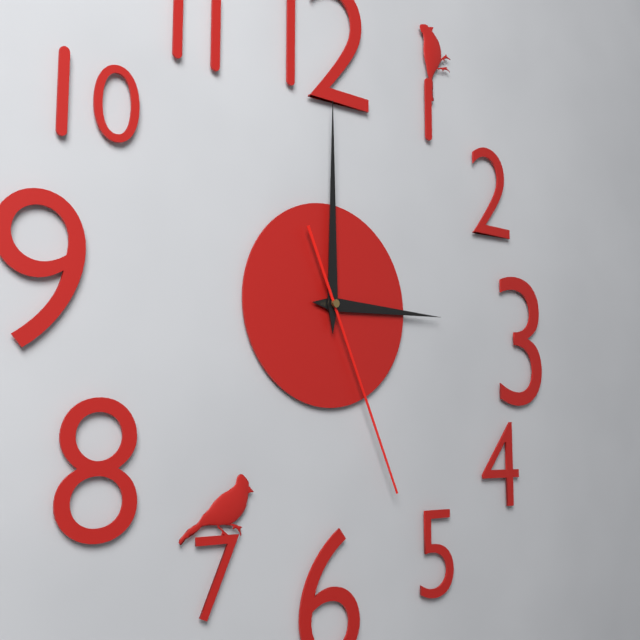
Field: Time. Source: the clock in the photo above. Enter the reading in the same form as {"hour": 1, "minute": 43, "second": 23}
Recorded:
{"hour": 3, "minute": 0, "second": 26}
